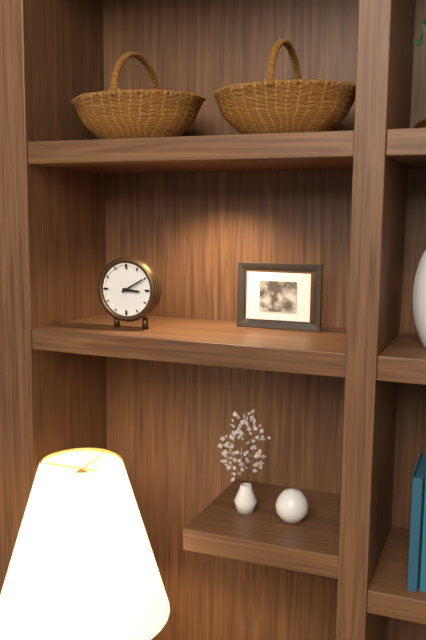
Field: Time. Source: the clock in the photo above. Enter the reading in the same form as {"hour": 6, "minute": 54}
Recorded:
{"hour": 3, "minute": 10}
